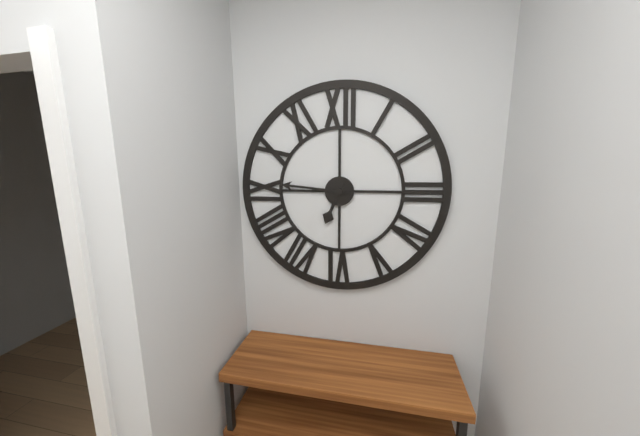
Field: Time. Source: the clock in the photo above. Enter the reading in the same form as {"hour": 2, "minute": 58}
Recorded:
{"hour": 6, "minute": 46}
